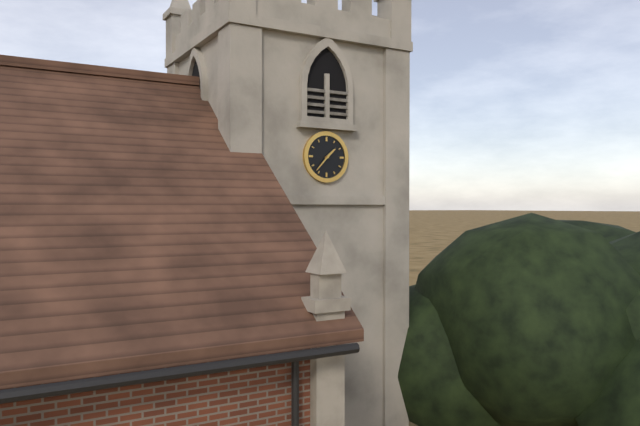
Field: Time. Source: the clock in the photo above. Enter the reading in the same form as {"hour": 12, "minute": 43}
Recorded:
{"hour": 1, "minute": 37}
